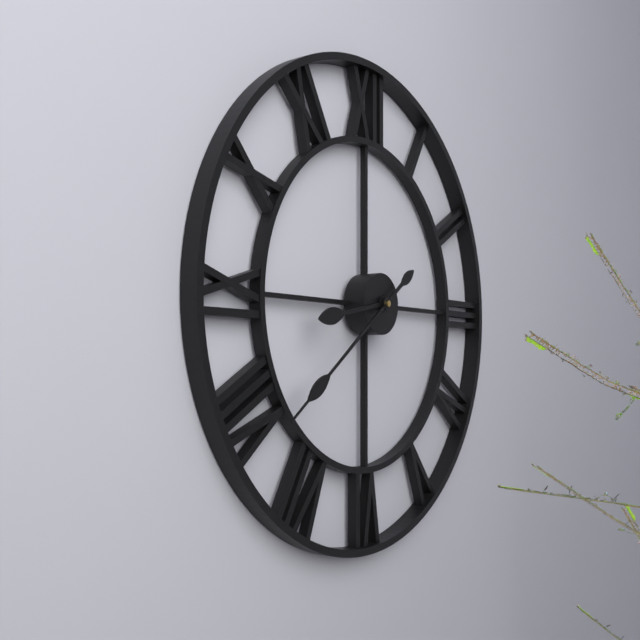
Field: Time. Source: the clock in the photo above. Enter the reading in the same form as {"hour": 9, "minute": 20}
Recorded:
{"hour": 8, "minute": 39}
